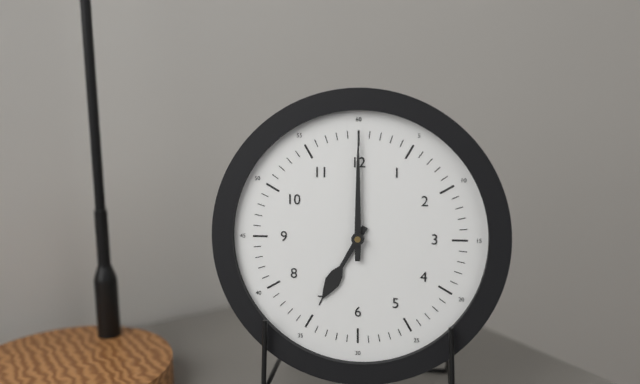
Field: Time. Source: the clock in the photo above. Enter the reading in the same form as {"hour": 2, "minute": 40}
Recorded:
{"hour": 7, "minute": 0}
